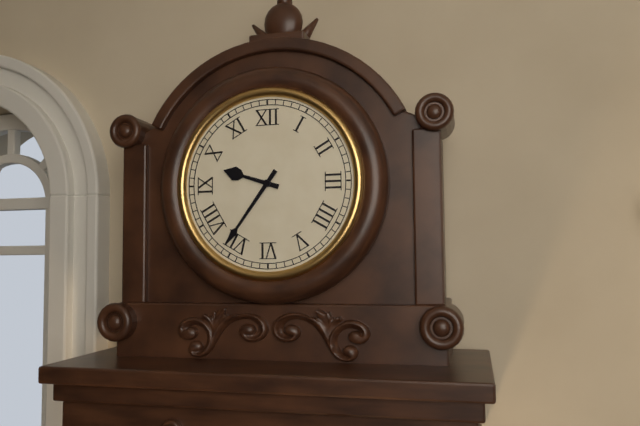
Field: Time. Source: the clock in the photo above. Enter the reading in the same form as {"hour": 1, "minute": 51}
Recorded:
{"hour": 9, "minute": 36}
